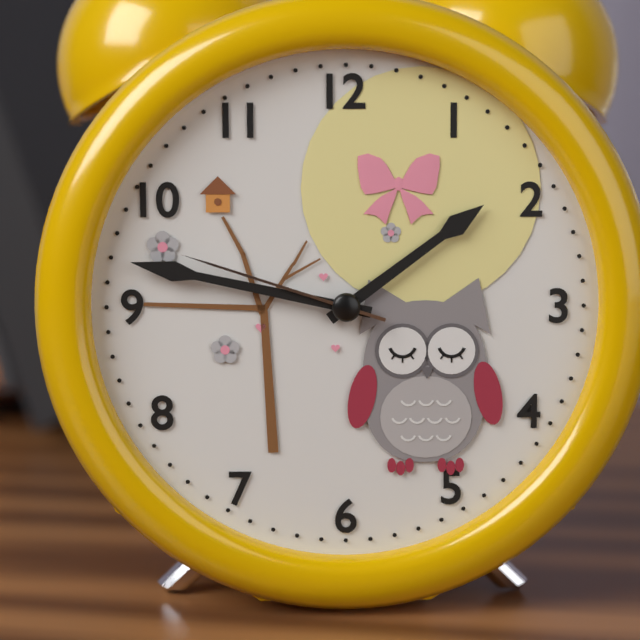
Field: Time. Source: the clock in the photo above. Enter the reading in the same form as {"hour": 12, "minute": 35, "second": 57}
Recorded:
{"hour": 1, "minute": 47, "second": 48}
